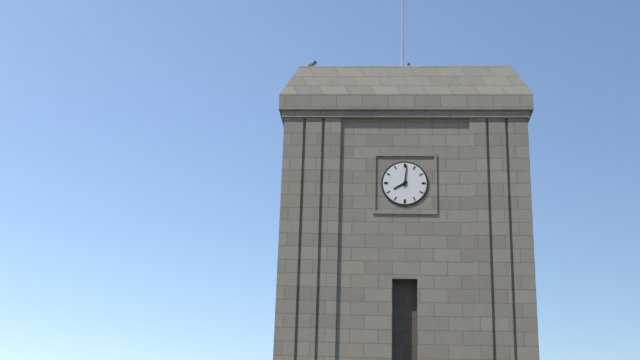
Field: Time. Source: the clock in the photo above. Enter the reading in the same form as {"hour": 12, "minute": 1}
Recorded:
{"hour": 8, "minute": 1}
